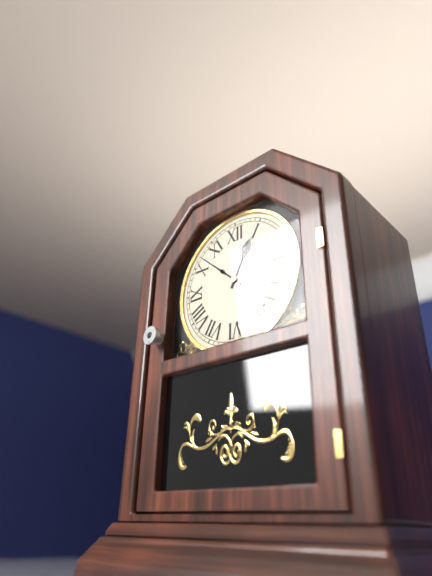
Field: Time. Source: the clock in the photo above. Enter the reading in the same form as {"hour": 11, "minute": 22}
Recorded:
{"hour": 12, "minute": 52}
